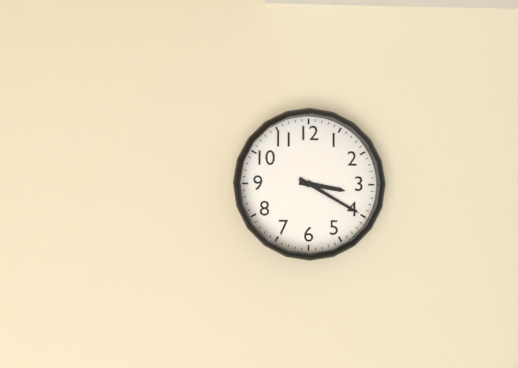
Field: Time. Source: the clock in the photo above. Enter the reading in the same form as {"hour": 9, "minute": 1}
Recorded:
{"hour": 3, "minute": 20}
